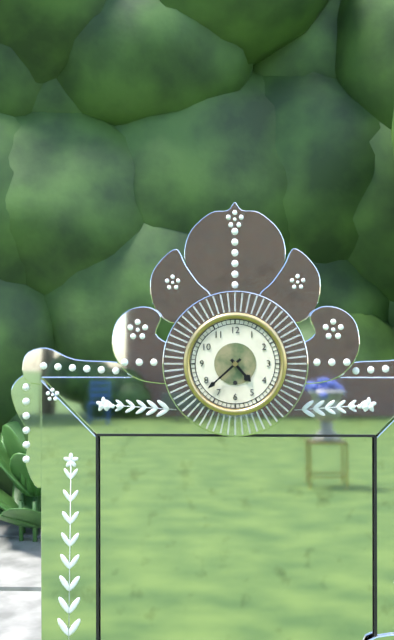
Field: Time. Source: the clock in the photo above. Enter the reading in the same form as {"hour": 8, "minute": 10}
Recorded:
{"hour": 4, "minute": 38}
